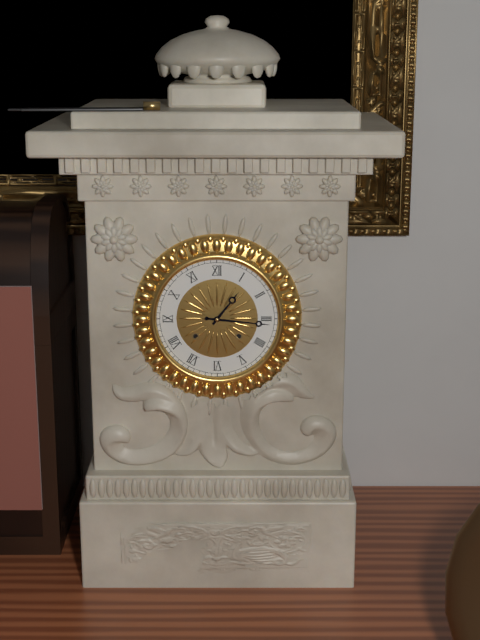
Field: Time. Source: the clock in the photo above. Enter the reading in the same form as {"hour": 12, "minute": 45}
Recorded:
{"hour": 1, "minute": 16}
